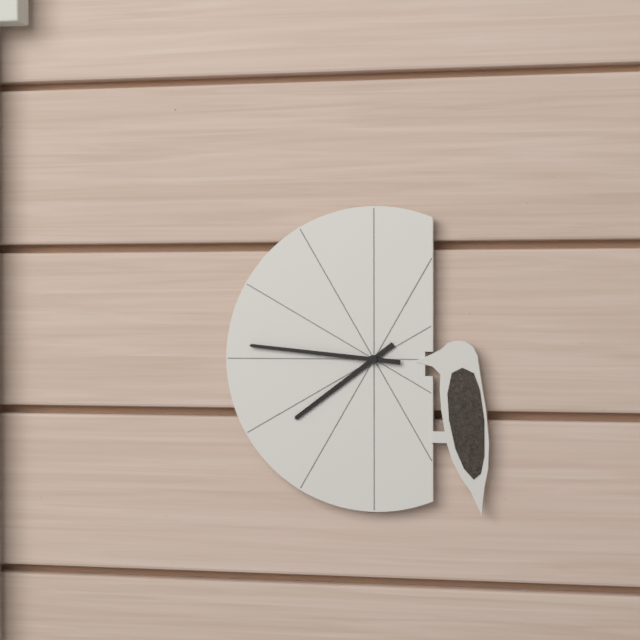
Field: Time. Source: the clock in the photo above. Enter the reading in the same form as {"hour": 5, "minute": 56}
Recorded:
{"hour": 7, "minute": 46}
